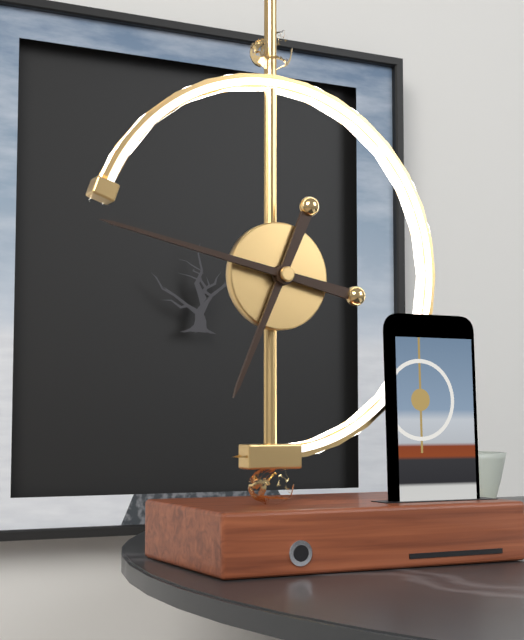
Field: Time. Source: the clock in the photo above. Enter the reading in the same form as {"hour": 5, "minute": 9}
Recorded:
{"hour": 6, "minute": 47}
